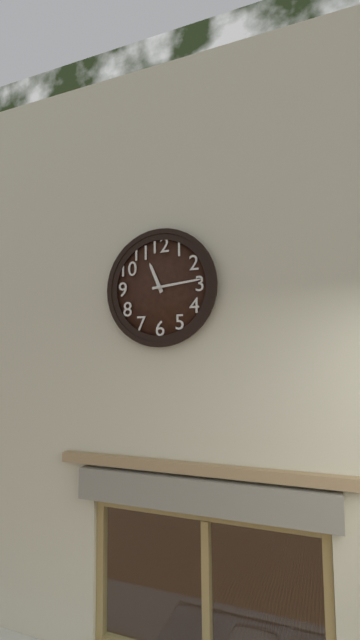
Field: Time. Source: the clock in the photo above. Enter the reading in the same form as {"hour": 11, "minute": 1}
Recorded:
{"hour": 11, "minute": 14}
